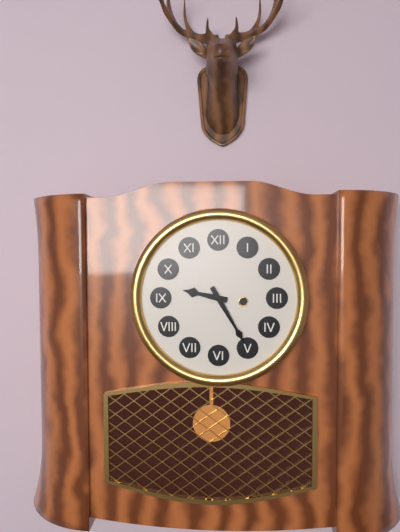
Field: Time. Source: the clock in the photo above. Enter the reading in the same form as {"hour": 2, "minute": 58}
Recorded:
{"hour": 9, "minute": 25}
